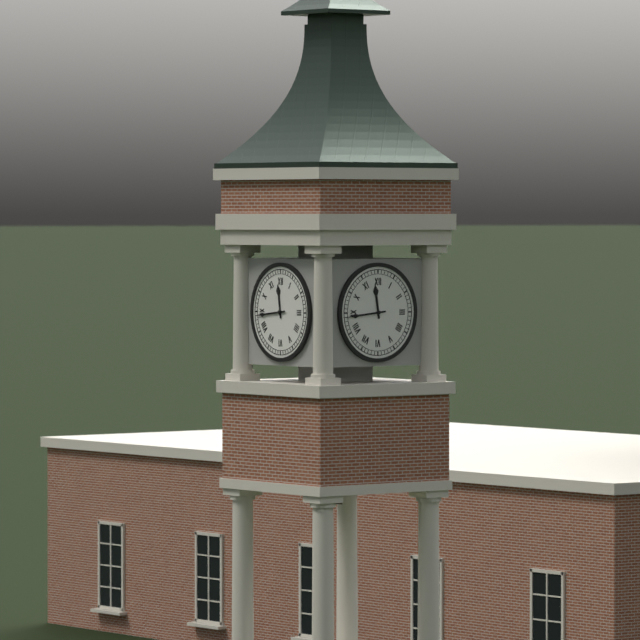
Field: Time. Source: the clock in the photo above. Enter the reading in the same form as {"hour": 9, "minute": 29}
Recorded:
{"hour": 11, "minute": 44}
